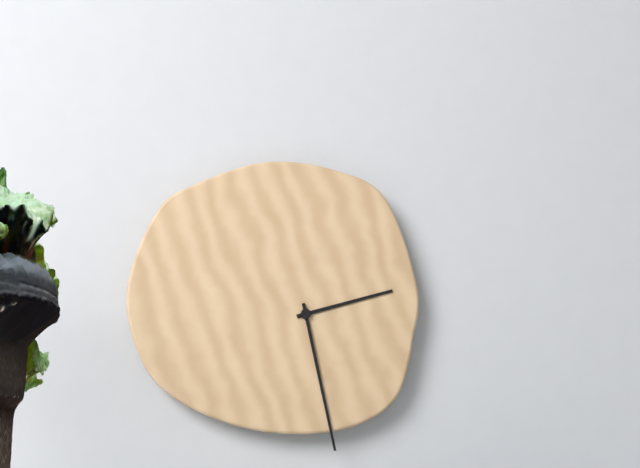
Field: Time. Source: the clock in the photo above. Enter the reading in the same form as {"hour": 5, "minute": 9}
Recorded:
{"hour": 2, "minute": 28}
